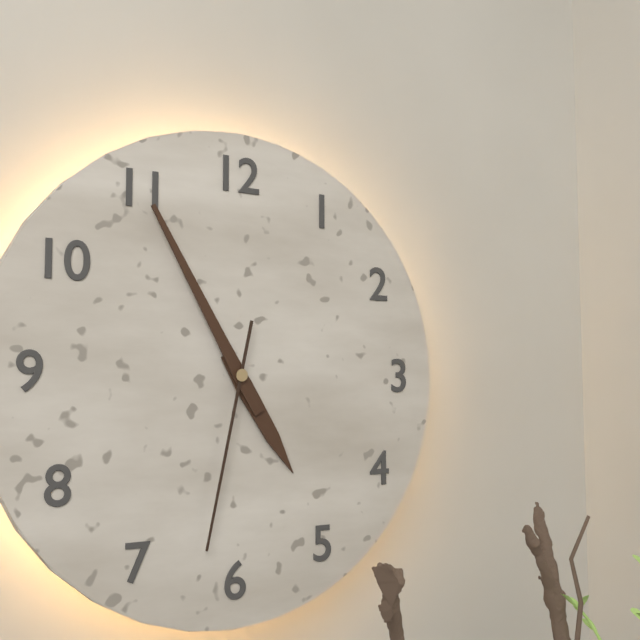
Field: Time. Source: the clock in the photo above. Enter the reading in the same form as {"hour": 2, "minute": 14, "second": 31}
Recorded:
{"hour": 4, "minute": 55, "second": 32}
